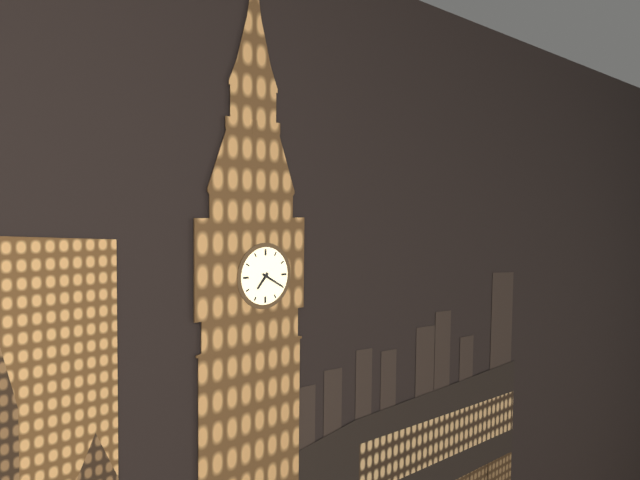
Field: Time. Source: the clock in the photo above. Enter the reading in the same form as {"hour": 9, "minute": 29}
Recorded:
{"hour": 7, "minute": 20}
